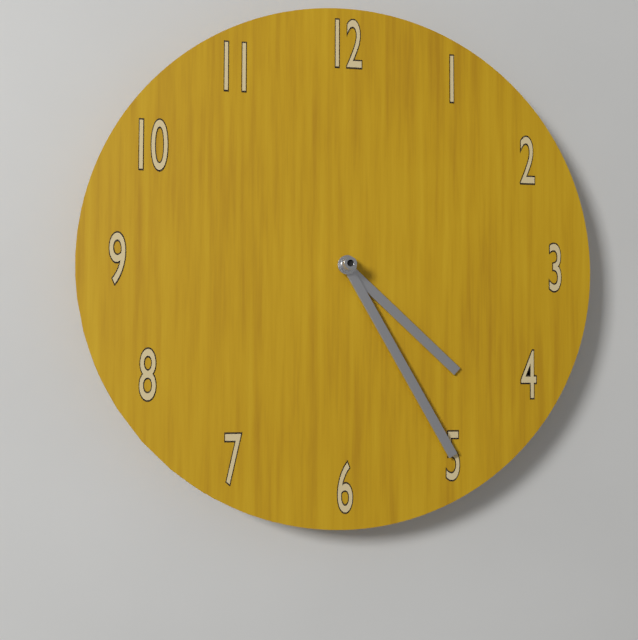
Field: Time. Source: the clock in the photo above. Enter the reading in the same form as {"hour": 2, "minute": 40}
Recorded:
{"hour": 4, "minute": 25}
